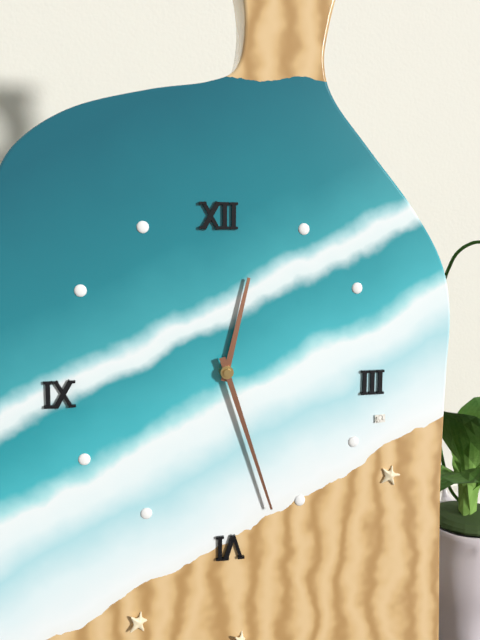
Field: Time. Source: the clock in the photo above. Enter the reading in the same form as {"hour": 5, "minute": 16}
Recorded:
{"hour": 12, "minute": 27}
